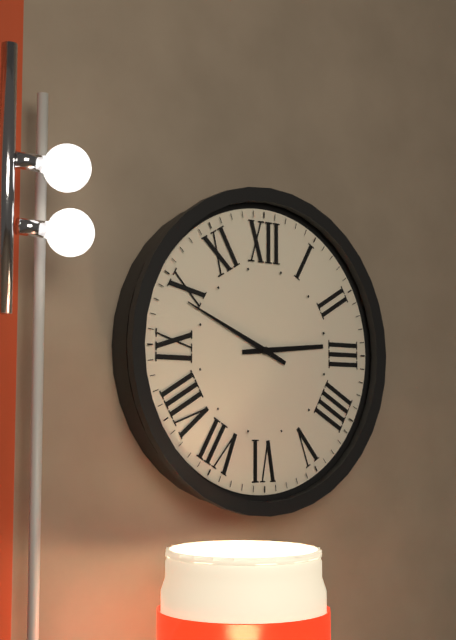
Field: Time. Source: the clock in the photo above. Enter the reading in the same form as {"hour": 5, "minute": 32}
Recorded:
{"hour": 2, "minute": 49}
